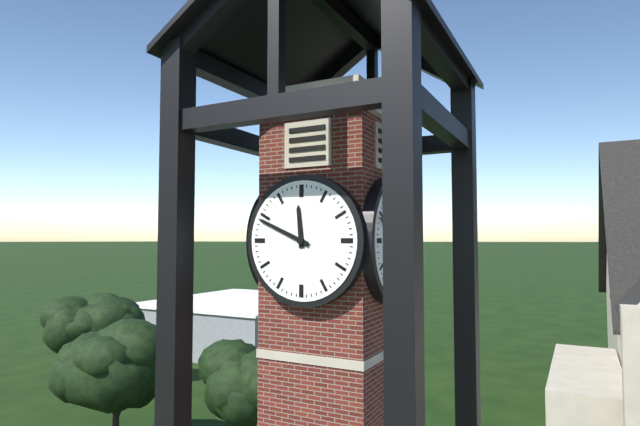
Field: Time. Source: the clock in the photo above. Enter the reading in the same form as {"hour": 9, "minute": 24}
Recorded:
{"hour": 11, "minute": 49}
